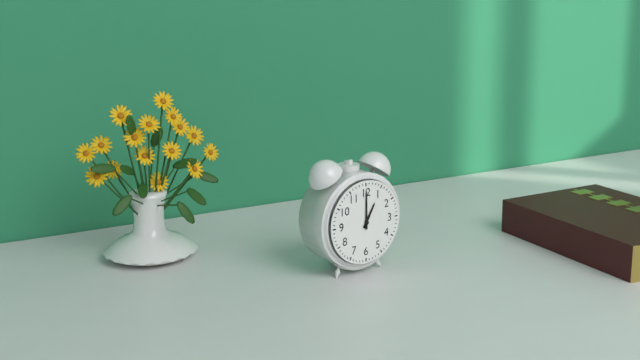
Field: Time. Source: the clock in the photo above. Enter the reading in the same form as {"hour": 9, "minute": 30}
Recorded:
{"hour": 1, "minute": 0}
